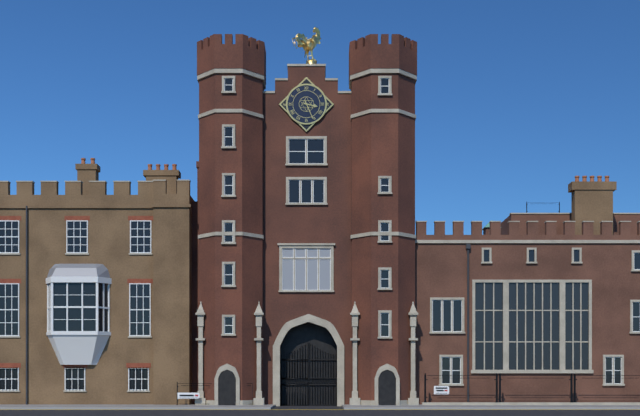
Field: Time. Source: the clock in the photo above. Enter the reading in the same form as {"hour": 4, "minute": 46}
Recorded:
{"hour": 3, "minute": 26}
